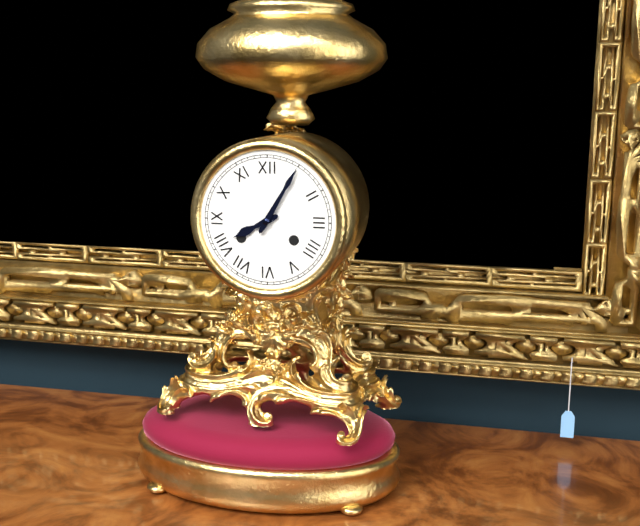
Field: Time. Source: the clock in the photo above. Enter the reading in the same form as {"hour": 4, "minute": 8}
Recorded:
{"hour": 8, "minute": 5}
